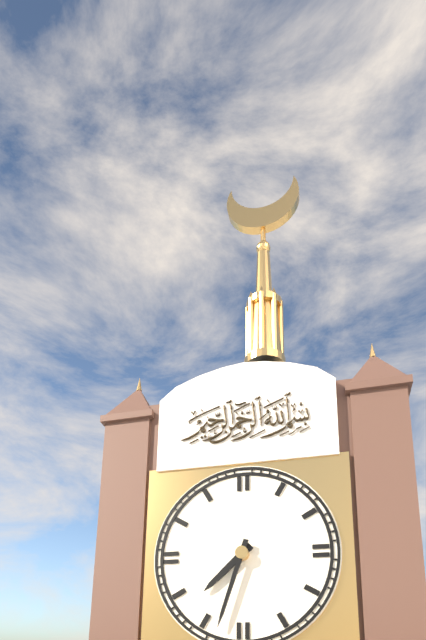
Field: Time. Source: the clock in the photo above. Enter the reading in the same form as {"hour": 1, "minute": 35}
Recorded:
{"hour": 7, "minute": 33}
